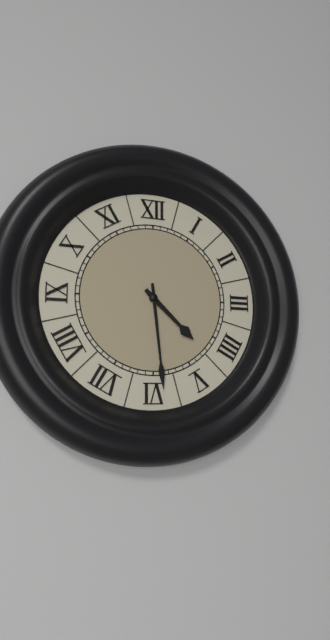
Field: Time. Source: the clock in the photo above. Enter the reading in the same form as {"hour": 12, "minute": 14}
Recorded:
{"hour": 4, "minute": 29}
